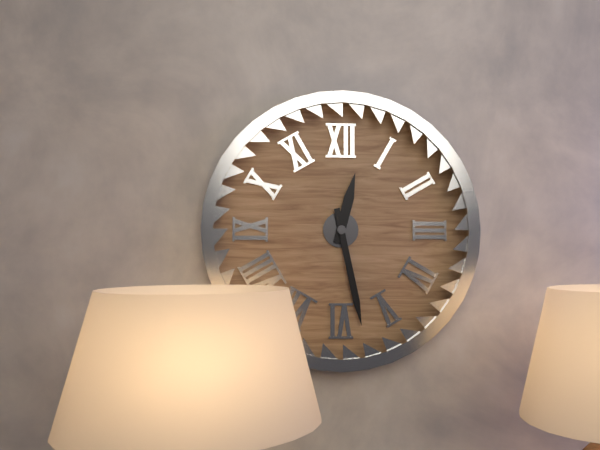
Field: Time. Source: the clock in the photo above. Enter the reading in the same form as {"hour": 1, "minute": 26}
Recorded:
{"hour": 12, "minute": 28}
